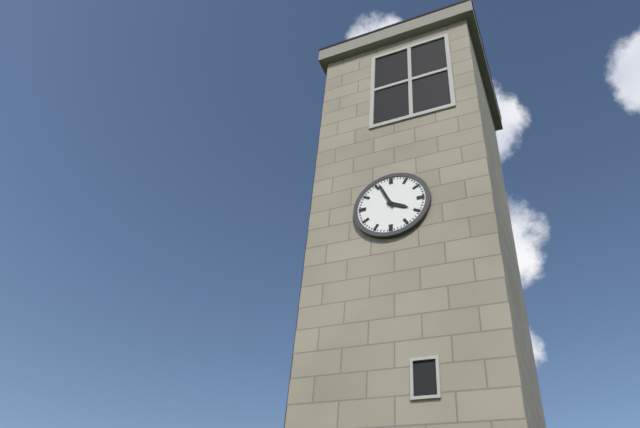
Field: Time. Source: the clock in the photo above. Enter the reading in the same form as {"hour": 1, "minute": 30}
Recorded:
{"hour": 3, "minute": 56}
